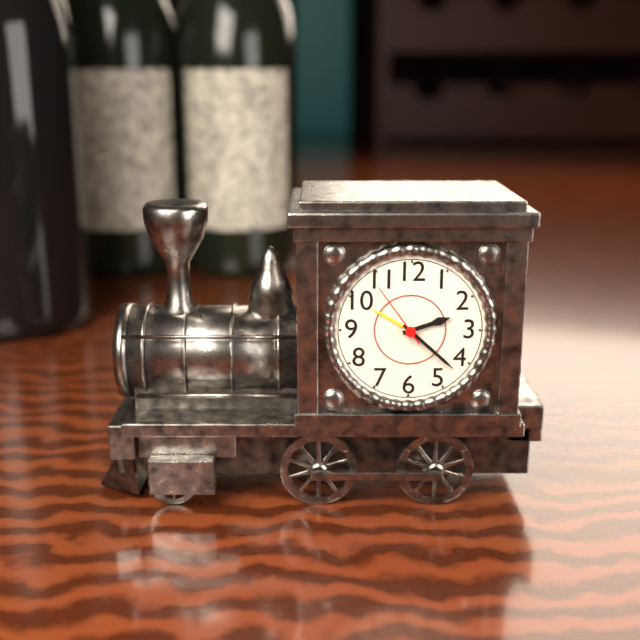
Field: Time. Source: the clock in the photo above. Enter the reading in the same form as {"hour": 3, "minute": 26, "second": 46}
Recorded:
{"hour": 2, "minute": 22, "second": 54}
